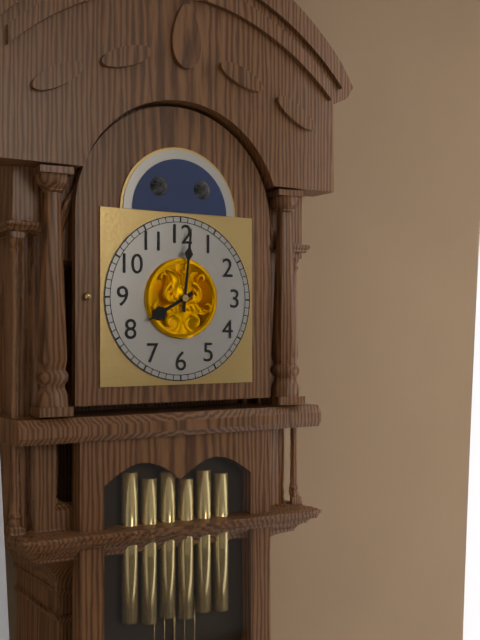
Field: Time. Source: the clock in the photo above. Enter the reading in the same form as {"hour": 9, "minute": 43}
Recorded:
{"hour": 8, "minute": 1}
